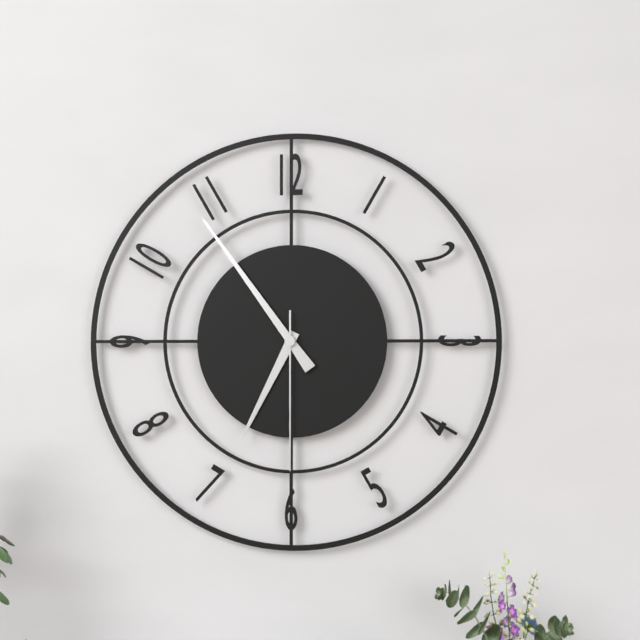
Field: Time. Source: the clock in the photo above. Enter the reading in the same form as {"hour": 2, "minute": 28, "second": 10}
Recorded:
{"hour": 6, "minute": 54, "second": 30}
